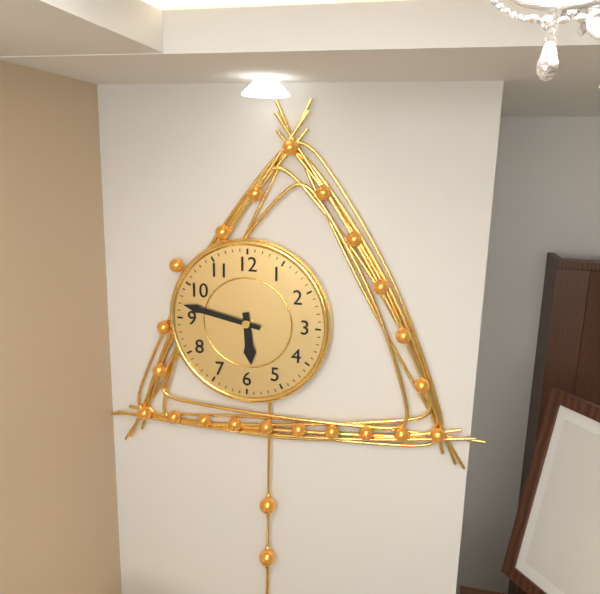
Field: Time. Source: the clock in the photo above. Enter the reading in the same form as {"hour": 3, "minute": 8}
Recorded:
{"hour": 5, "minute": 47}
